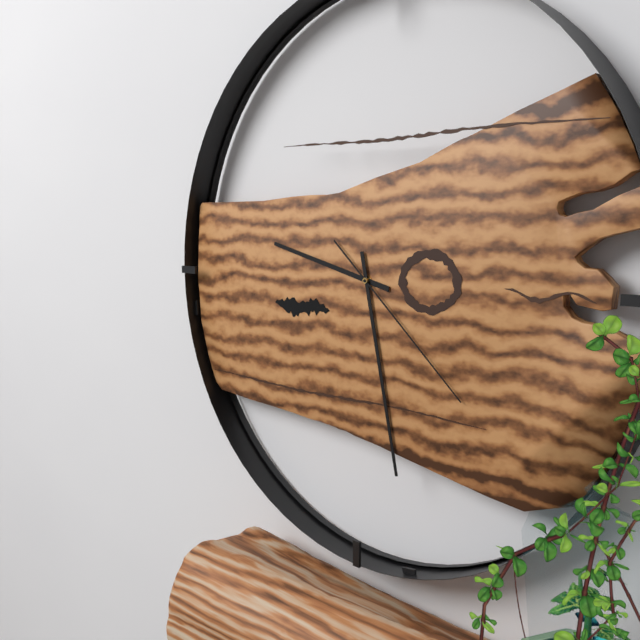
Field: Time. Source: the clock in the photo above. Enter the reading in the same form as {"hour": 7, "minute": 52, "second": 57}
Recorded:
{"hour": 9, "minute": 28, "second": 22}
